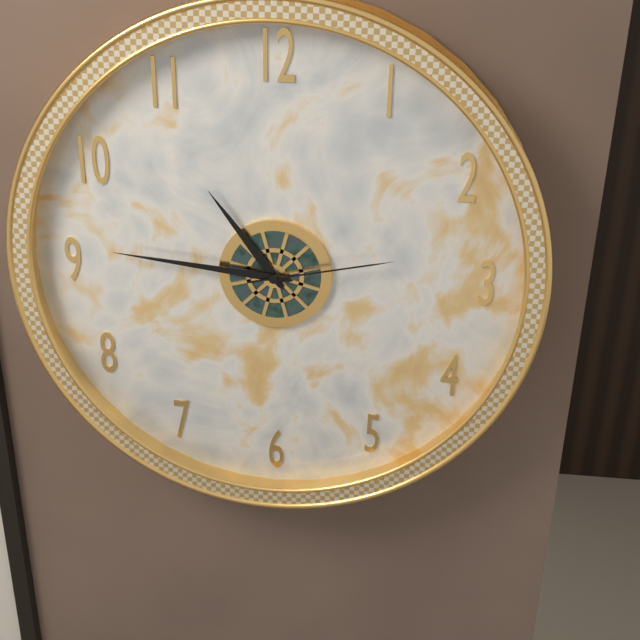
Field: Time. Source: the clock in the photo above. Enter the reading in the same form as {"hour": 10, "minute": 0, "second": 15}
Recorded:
{"hour": 10, "minute": 46, "second": 13}
